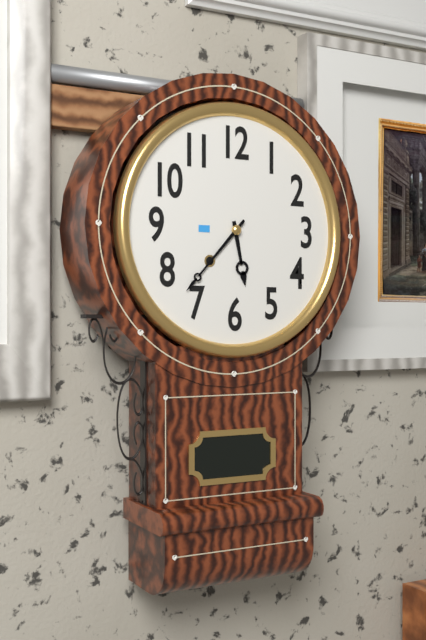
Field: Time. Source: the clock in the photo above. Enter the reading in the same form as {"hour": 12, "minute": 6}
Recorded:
{"hour": 5, "minute": 37}
